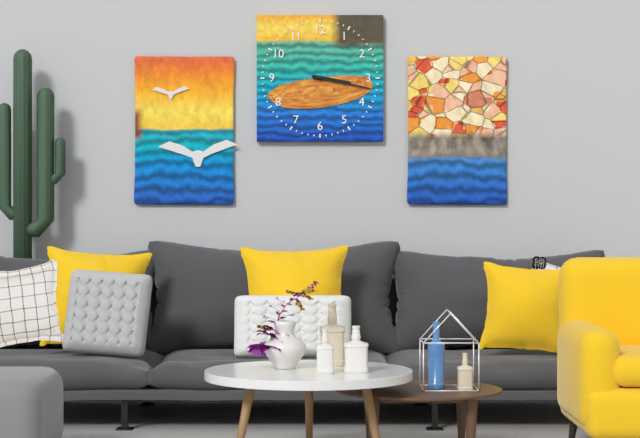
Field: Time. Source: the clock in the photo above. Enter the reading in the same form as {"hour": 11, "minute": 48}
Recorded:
{"hour": 3, "minute": 17}
